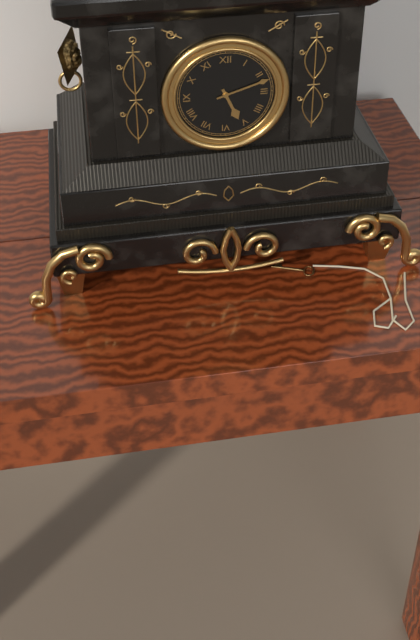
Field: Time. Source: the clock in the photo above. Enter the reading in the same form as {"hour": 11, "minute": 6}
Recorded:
{"hour": 5, "minute": 12}
